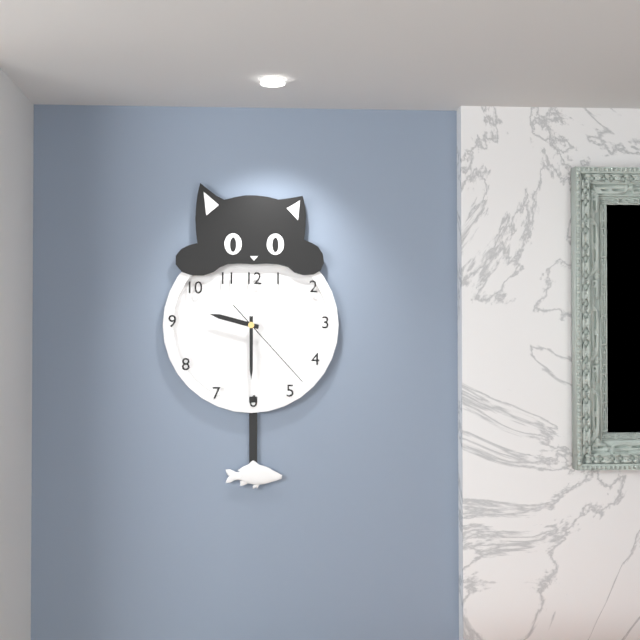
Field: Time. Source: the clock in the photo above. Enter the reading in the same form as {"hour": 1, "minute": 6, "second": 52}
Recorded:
{"hour": 9, "minute": 30, "second": 23}
